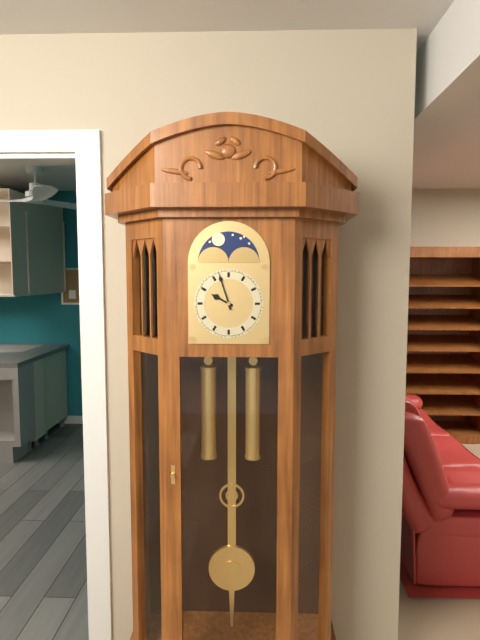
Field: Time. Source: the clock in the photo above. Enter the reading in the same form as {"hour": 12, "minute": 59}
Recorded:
{"hour": 9, "minute": 57}
